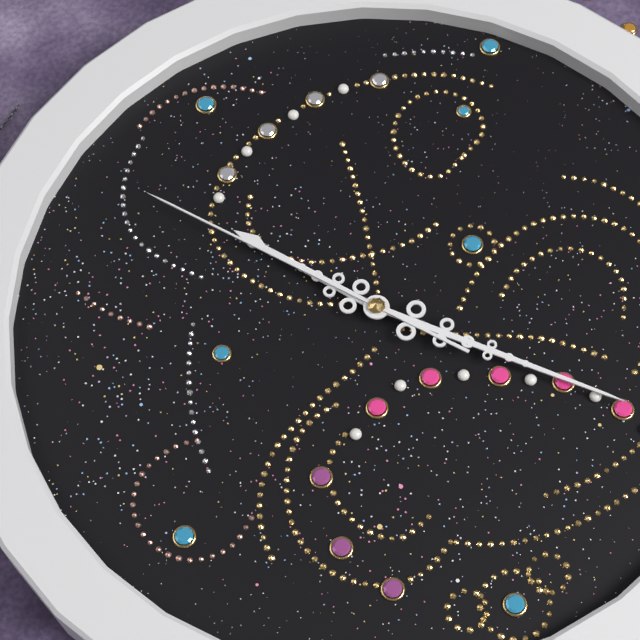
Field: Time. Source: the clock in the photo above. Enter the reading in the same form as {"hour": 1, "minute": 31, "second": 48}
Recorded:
{"hour": 4, "minute": 53, "second": 24}
